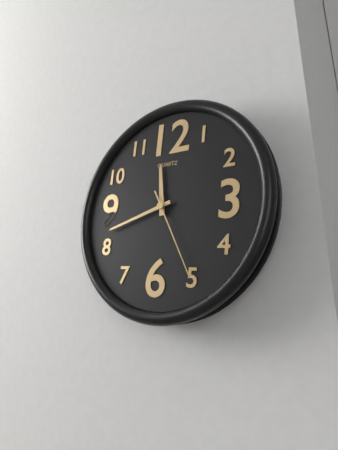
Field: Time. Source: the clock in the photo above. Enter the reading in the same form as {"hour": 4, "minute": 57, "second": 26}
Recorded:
{"hour": 11, "minute": 42, "second": 25}
